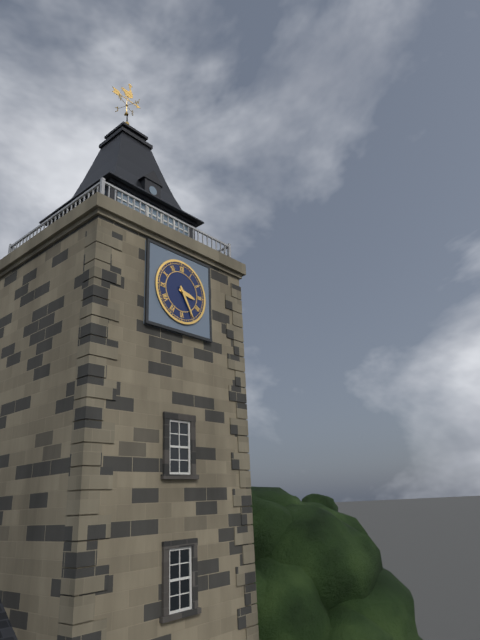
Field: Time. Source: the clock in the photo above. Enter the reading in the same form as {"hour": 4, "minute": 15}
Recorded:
{"hour": 3, "minute": 25}
